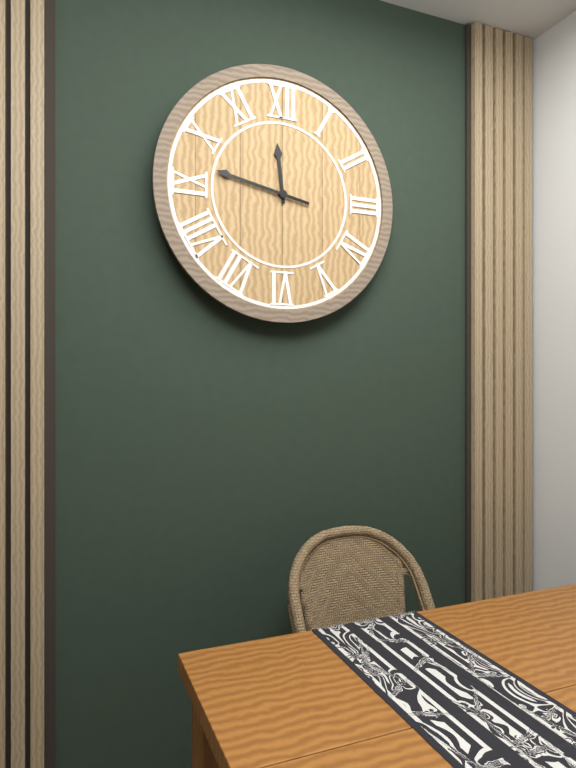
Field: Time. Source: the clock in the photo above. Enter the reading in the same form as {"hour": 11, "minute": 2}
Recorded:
{"hour": 11, "minute": 47}
